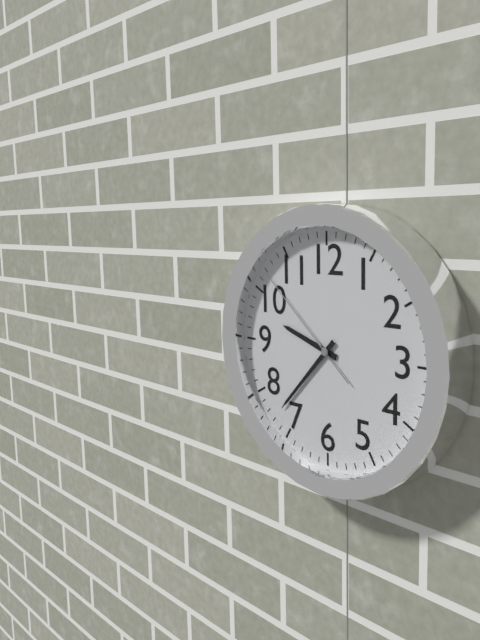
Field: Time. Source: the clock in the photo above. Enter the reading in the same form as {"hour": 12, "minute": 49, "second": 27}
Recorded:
{"hour": 9, "minute": 37, "second": 52}
